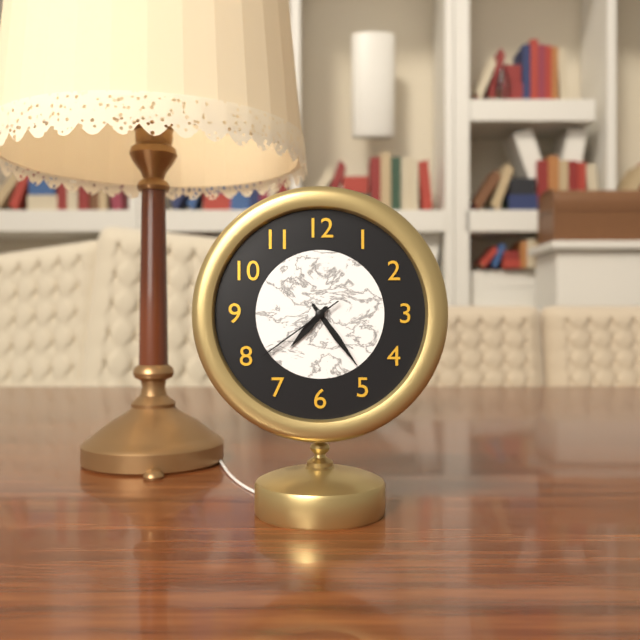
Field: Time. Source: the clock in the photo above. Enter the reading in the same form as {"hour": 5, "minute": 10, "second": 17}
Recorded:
{"hour": 7, "minute": 24, "second": 39}
